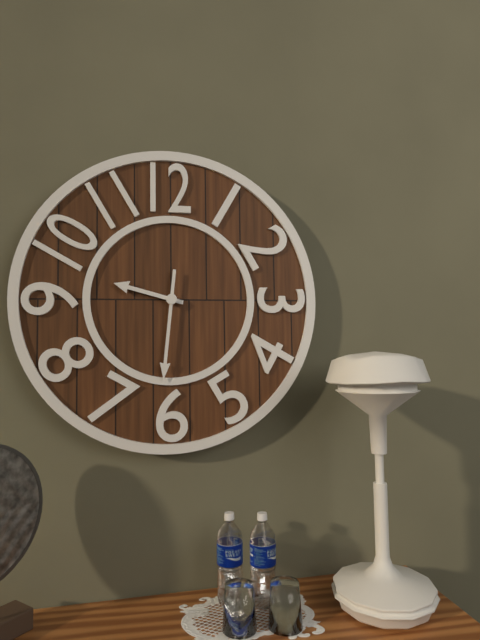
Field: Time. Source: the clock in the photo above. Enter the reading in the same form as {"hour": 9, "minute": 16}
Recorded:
{"hour": 9, "minute": 31}
